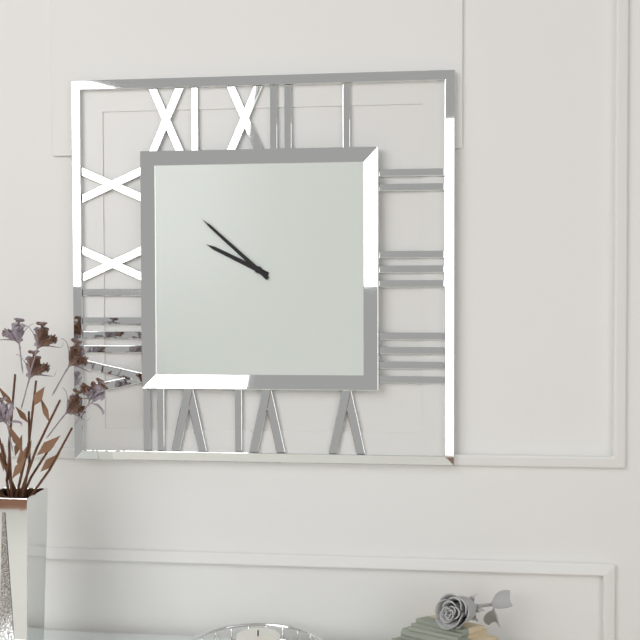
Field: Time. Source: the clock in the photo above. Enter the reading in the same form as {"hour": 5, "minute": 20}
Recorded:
{"hour": 9, "minute": 52}
